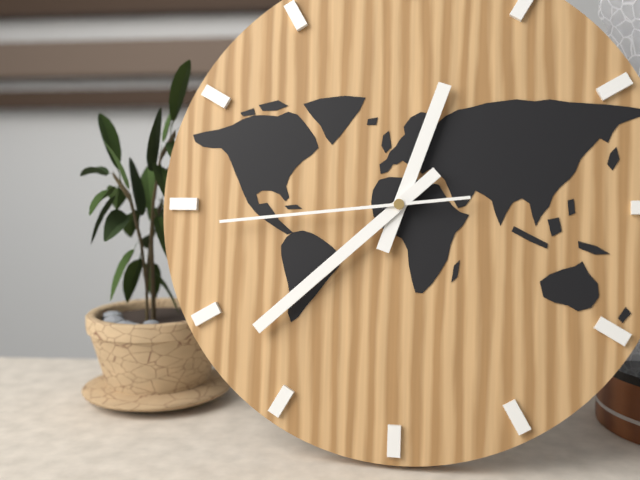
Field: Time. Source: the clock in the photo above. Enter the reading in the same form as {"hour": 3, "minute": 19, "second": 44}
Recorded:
{"hour": 12, "minute": 38, "second": 44}
